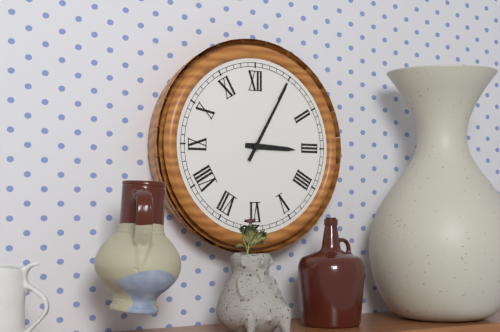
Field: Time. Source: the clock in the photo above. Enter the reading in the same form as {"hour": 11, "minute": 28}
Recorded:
{"hour": 3, "minute": 5}
